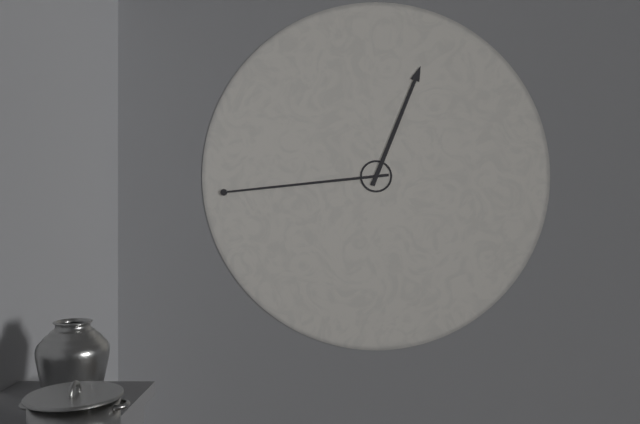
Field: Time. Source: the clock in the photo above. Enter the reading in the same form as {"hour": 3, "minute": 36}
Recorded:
{"hour": 12, "minute": 44}
